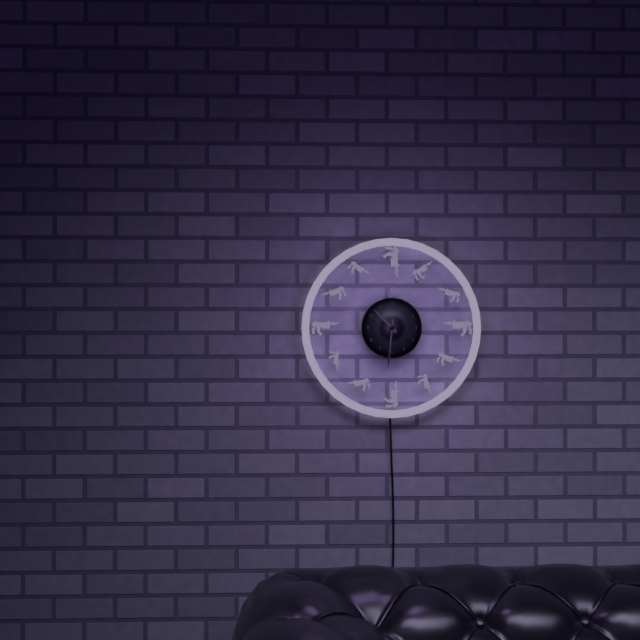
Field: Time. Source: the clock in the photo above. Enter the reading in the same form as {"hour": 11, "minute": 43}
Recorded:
{"hour": 10, "minute": 31}
